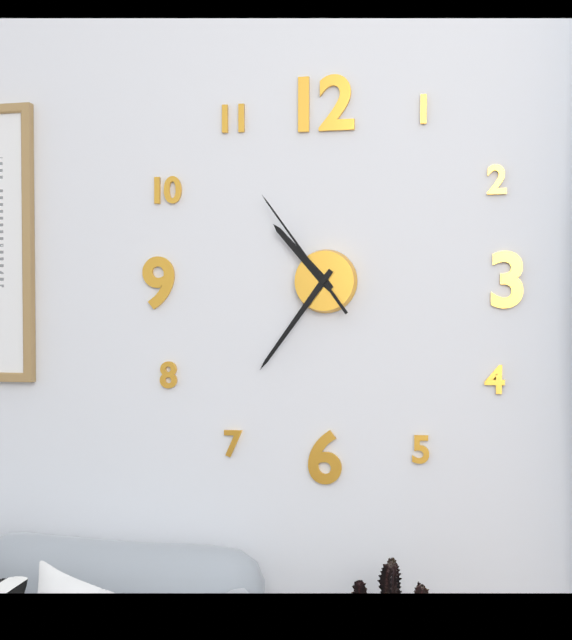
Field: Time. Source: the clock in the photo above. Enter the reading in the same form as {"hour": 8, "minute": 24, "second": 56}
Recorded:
{"hour": 10, "minute": 36, "second": 54}
